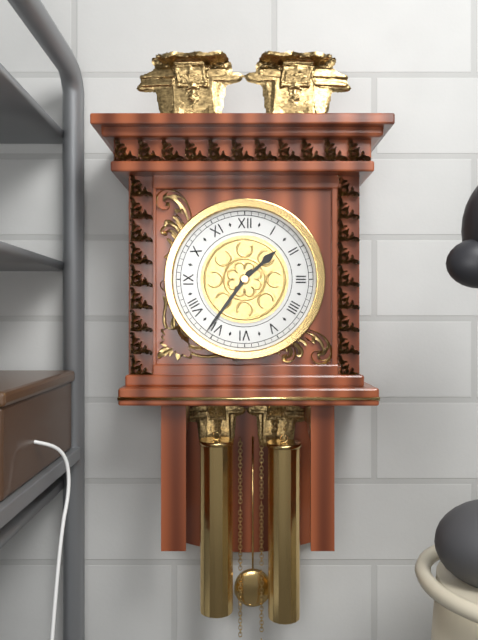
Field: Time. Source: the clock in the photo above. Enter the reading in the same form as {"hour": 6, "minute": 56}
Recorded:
{"hour": 1, "minute": 36}
